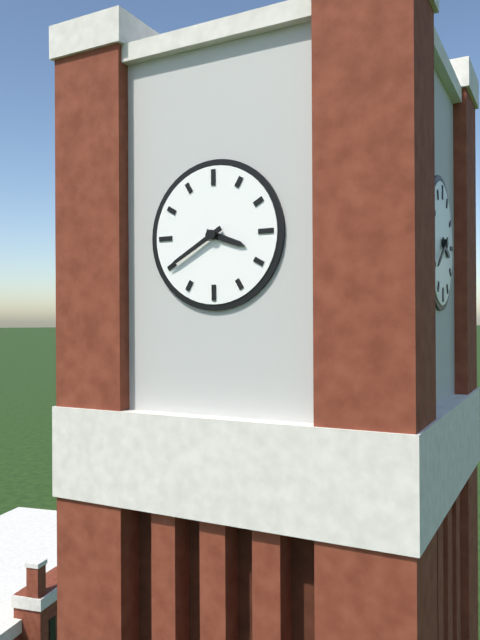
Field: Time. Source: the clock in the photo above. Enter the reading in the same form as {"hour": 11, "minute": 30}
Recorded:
{"hour": 3, "minute": 40}
